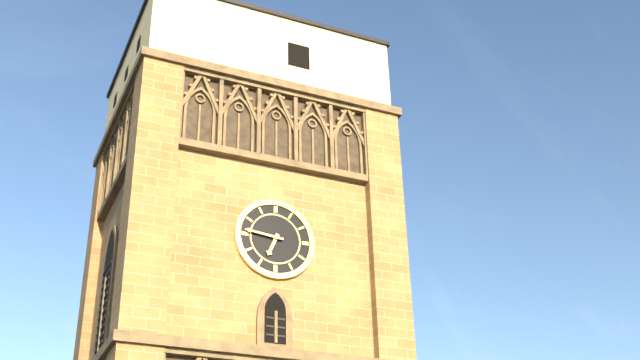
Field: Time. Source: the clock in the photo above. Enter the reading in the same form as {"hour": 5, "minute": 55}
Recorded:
{"hour": 6, "minute": 46}
